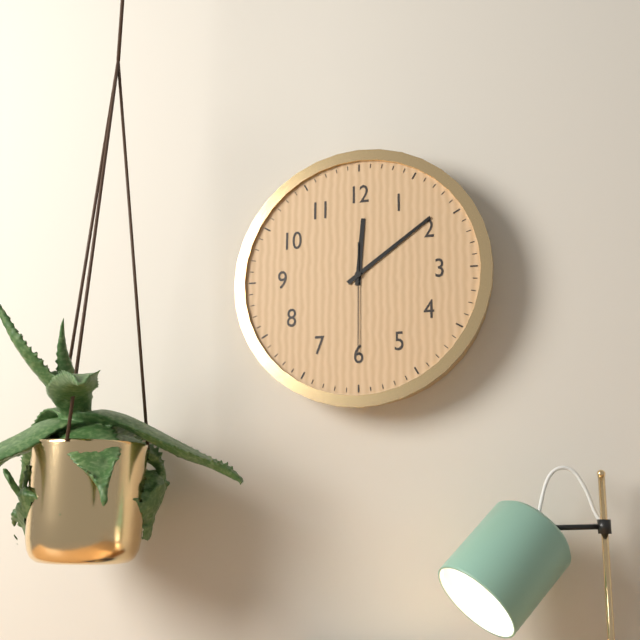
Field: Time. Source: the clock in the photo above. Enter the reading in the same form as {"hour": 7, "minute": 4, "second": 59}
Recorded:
{"hour": 12, "minute": 9, "second": 30}
